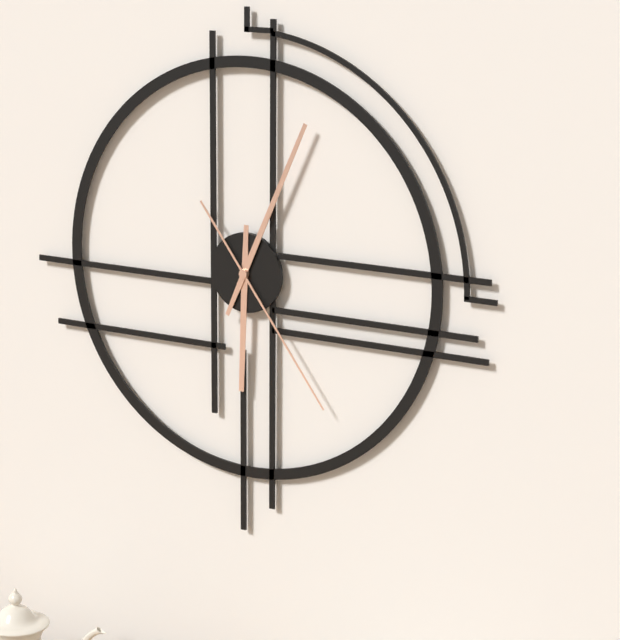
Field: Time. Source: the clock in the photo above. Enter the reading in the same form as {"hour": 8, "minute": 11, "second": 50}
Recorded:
{"hour": 6, "minute": 4, "second": 24}
